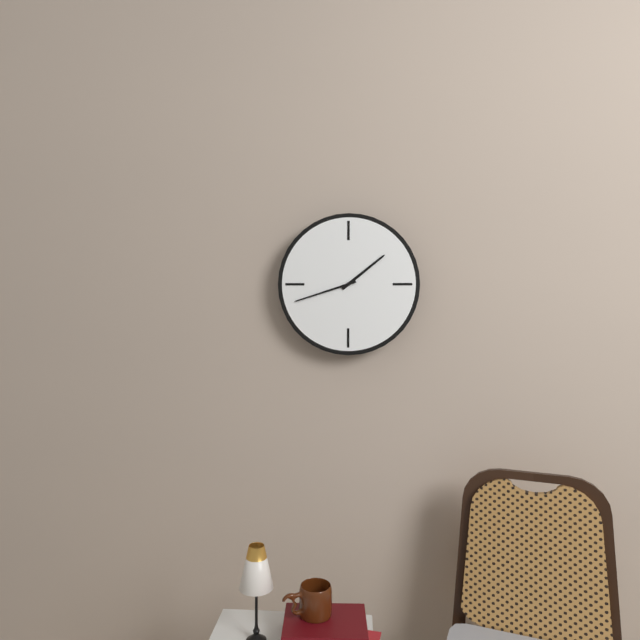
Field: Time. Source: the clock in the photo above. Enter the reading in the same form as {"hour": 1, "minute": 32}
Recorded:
{"hour": 1, "minute": 42}
